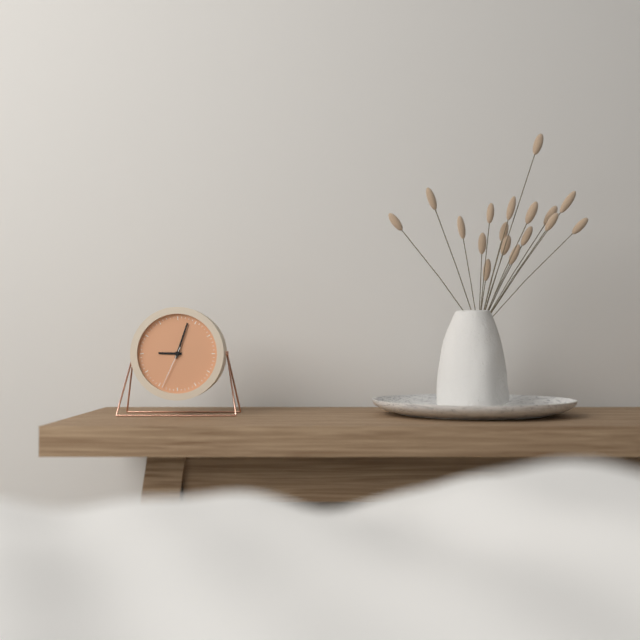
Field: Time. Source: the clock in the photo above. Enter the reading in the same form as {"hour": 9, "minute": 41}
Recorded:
{"hour": 9, "minute": 3}
